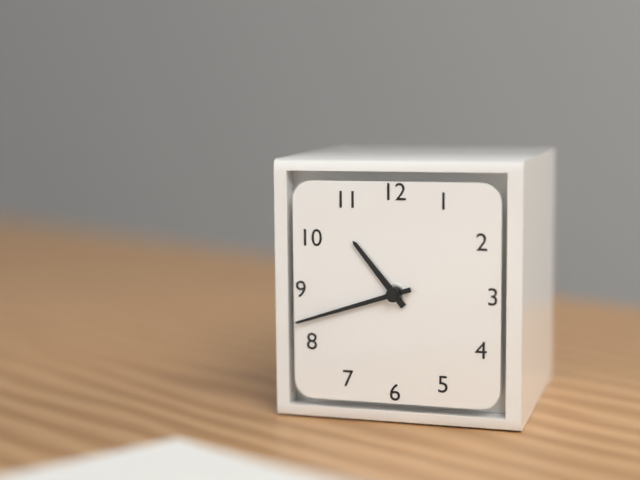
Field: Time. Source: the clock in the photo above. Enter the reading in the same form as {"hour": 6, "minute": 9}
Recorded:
{"hour": 10, "minute": 42}
